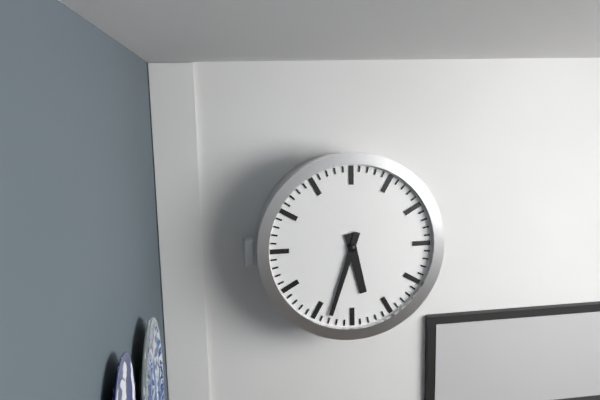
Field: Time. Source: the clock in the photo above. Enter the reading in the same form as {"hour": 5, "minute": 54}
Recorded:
{"hour": 5, "minute": 33}
